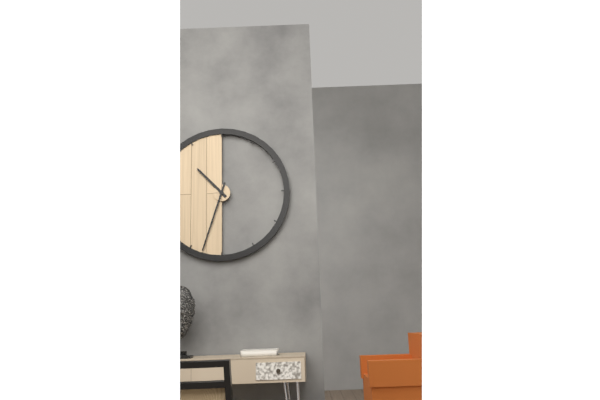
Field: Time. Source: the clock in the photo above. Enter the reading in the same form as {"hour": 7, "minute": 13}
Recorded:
{"hour": 10, "minute": 33}
